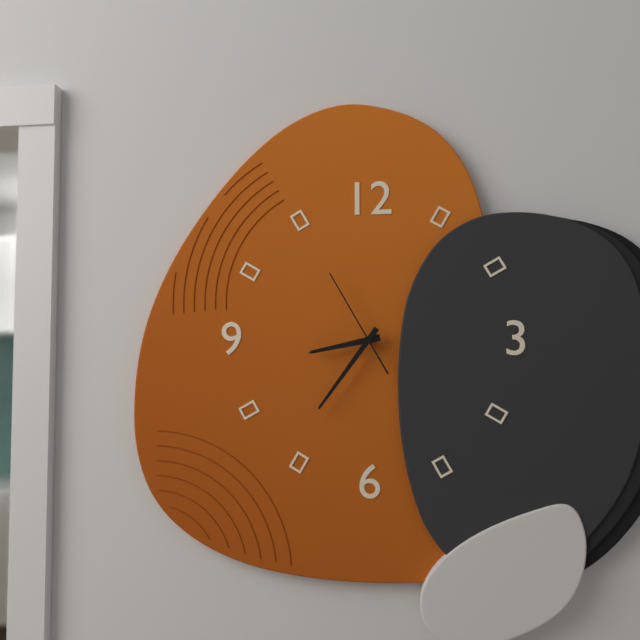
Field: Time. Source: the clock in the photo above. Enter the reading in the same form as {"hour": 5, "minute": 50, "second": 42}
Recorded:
{"hour": 8, "minute": 36, "second": 55}
